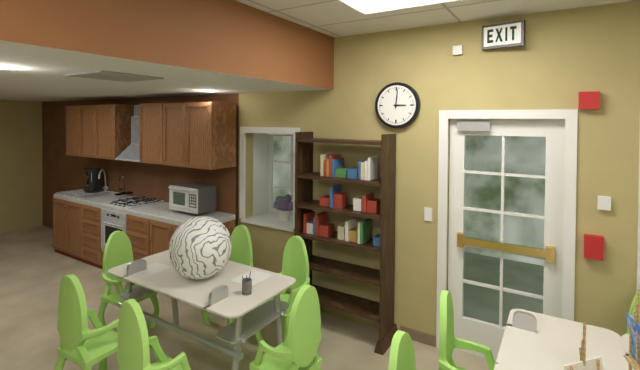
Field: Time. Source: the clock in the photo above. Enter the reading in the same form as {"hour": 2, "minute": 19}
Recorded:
{"hour": 3, "minute": 1}
